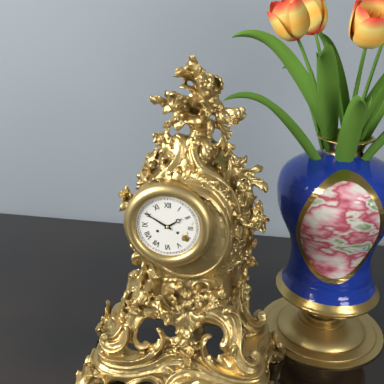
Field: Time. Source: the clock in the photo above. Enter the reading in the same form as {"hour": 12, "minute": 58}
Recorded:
{"hour": 1, "minute": 50}
